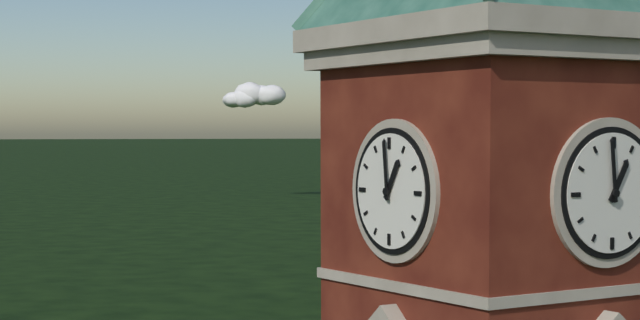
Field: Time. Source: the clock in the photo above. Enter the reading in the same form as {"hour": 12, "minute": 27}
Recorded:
{"hour": 12, "minute": 59}
